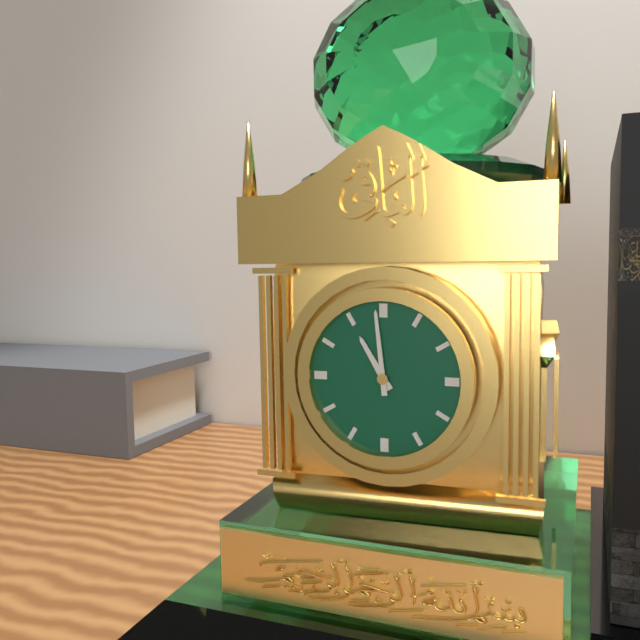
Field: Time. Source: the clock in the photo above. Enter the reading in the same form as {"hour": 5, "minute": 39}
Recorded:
{"hour": 10, "minute": 59}
